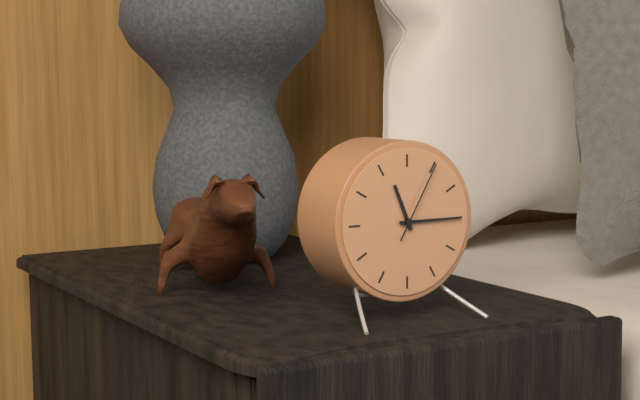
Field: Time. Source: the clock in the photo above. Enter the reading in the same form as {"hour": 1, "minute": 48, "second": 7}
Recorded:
{"hour": 11, "minute": 15, "second": 5}
